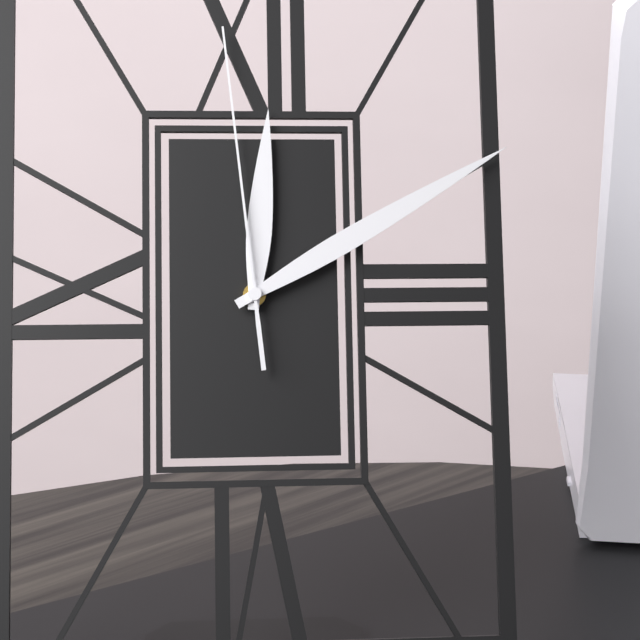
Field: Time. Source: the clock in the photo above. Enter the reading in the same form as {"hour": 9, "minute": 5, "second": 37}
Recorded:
{"hour": 12, "minute": 10, "second": 59}
